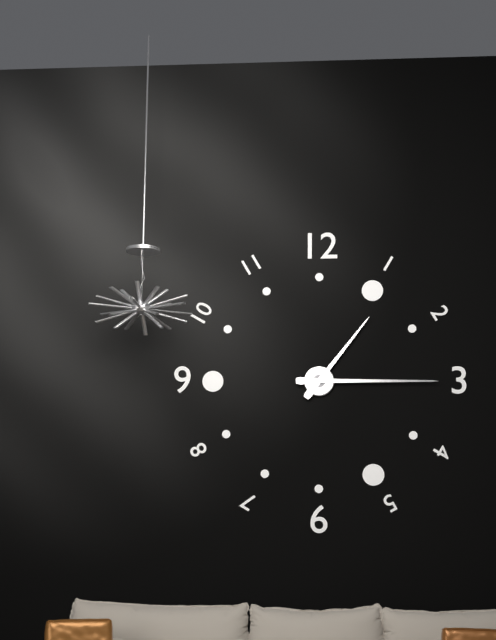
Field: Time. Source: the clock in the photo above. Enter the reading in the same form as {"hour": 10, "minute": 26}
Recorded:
{"hour": 1, "minute": 15}
